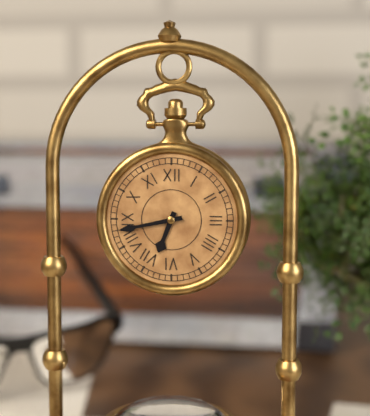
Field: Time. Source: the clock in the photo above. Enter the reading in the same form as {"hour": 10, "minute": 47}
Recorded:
{"hour": 6, "minute": 43}
